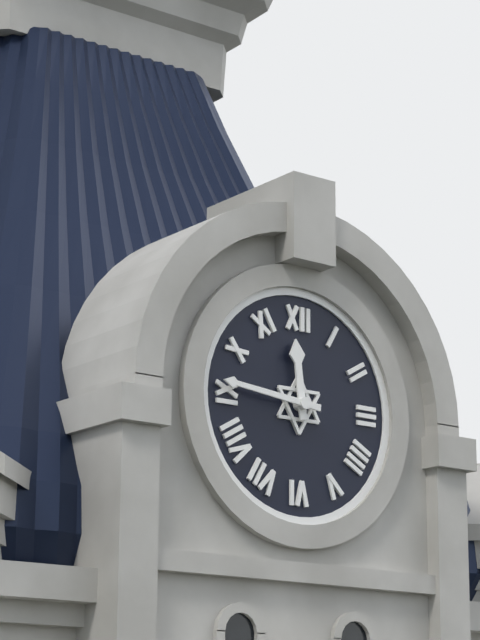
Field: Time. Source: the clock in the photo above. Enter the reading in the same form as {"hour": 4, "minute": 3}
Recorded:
{"hour": 11, "minute": 46}
